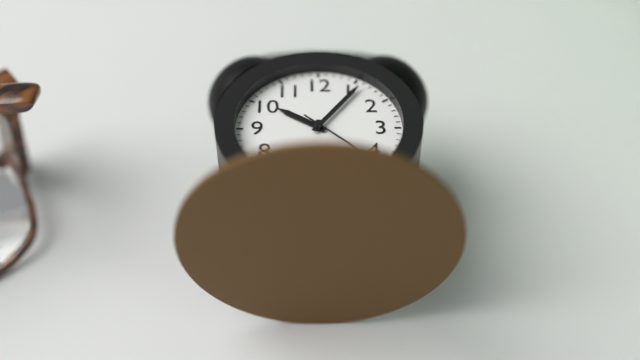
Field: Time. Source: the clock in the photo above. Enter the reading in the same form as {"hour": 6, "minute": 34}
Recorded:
{"hour": 10, "minute": 6}
